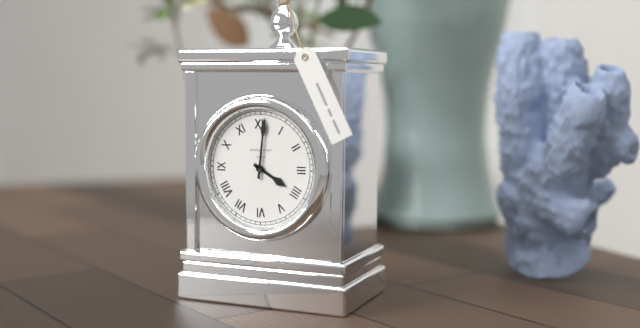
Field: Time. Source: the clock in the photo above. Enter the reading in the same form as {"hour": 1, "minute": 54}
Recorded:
{"hour": 4, "minute": 1}
